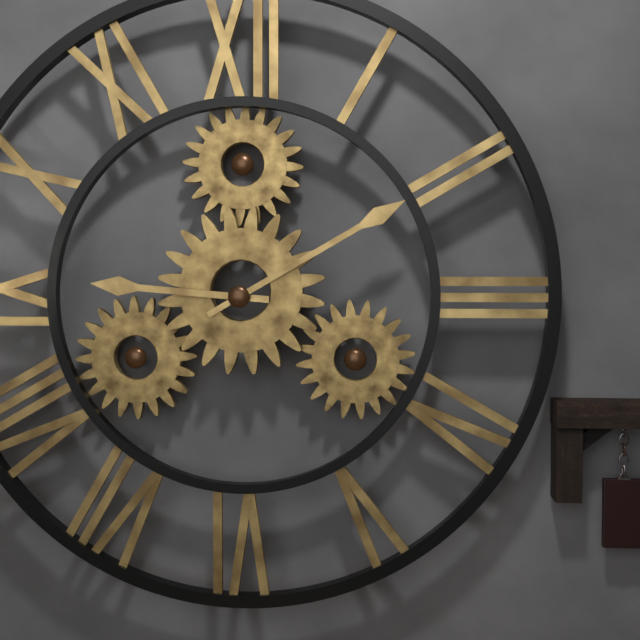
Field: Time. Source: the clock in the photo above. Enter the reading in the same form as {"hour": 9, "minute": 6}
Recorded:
{"hour": 9, "minute": 10}
